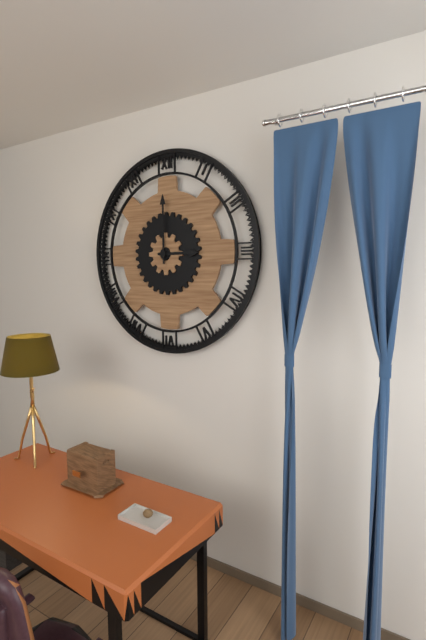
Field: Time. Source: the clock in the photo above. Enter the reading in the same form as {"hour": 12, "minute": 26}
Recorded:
{"hour": 3, "minute": 0}
